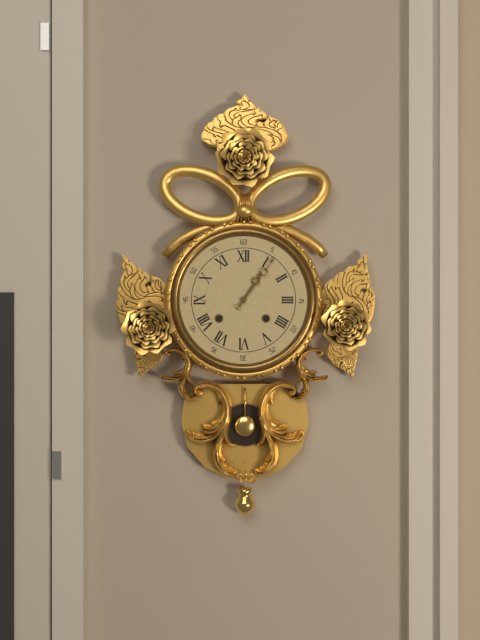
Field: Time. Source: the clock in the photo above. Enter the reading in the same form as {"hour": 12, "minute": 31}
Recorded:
{"hour": 1, "minute": 6}
